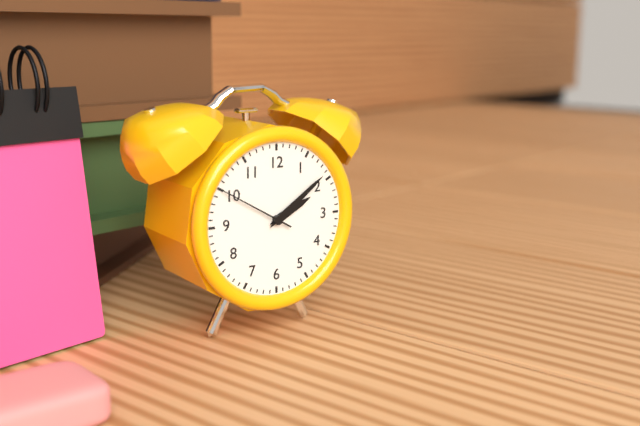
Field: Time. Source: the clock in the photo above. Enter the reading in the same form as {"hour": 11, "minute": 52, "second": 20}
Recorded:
{"hour": 2, "minute": 9, "second": 50}
